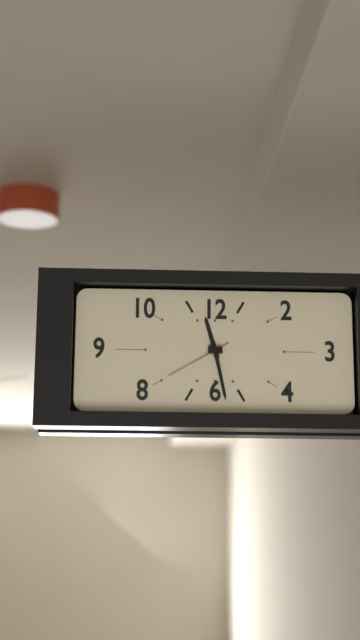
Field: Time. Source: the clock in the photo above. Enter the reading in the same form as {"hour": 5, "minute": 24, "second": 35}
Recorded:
{"hour": 11, "minute": 28, "second": 40}
